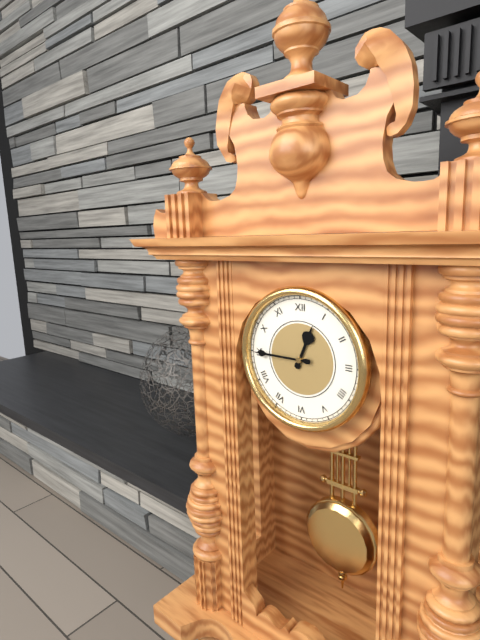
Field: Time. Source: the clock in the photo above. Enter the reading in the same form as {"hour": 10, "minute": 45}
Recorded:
{"hour": 12, "minute": 45}
